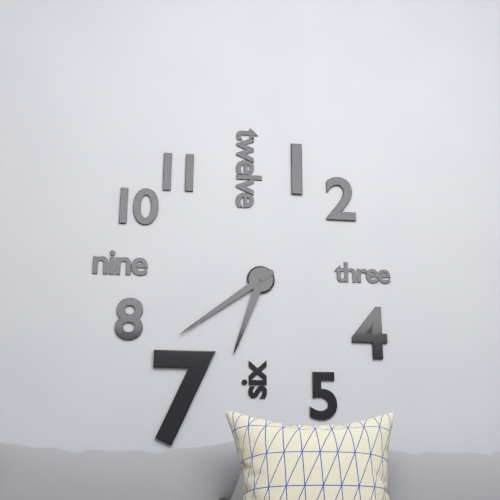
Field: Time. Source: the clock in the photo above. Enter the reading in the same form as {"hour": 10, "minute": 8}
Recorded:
{"hour": 6, "minute": 39}
